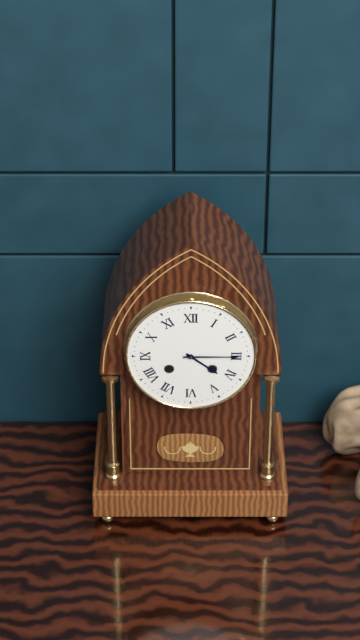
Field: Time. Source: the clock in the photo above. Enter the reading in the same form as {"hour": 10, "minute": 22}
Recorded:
{"hour": 4, "minute": 15}
